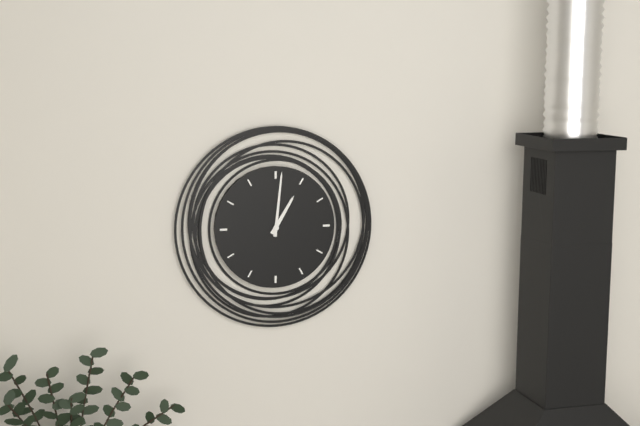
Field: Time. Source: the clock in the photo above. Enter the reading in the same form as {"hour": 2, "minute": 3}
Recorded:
{"hour": 1, "minute": 1}
